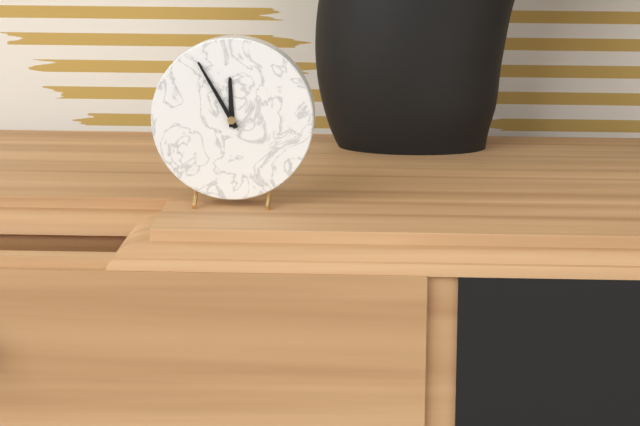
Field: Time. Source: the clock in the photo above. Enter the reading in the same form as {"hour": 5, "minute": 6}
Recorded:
{"hour": 11, "minute": 55}
